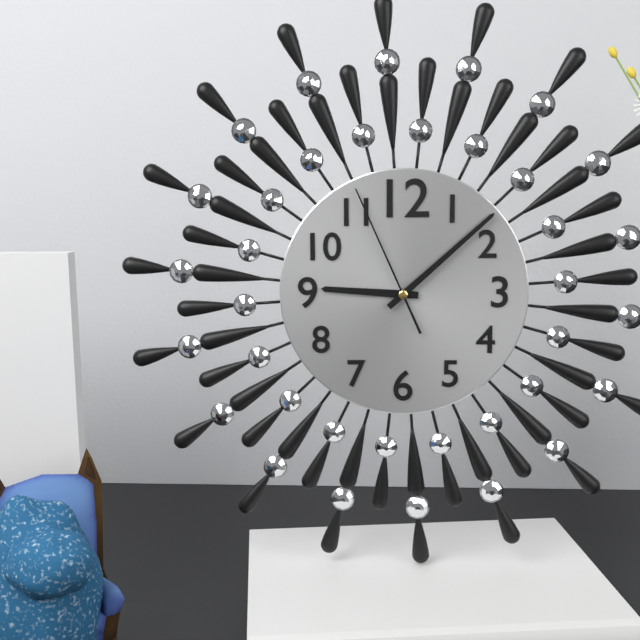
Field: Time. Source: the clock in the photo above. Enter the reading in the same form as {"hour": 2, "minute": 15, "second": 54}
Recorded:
{"hour": 9, "minute": 8, "second": 56}
